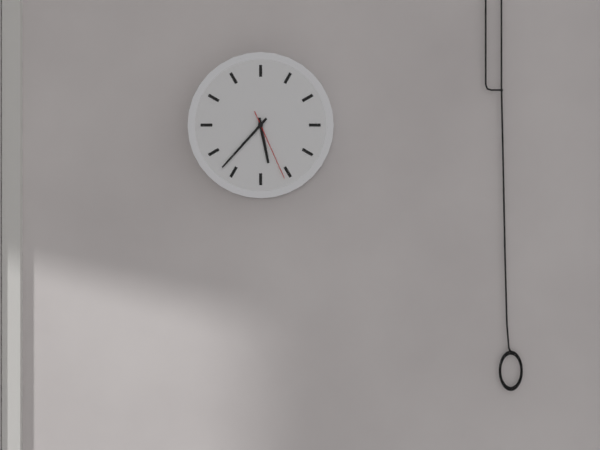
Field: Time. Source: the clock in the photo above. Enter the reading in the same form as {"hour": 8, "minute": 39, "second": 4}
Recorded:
{"hour": 5, "minute": 37, "second": 26}
